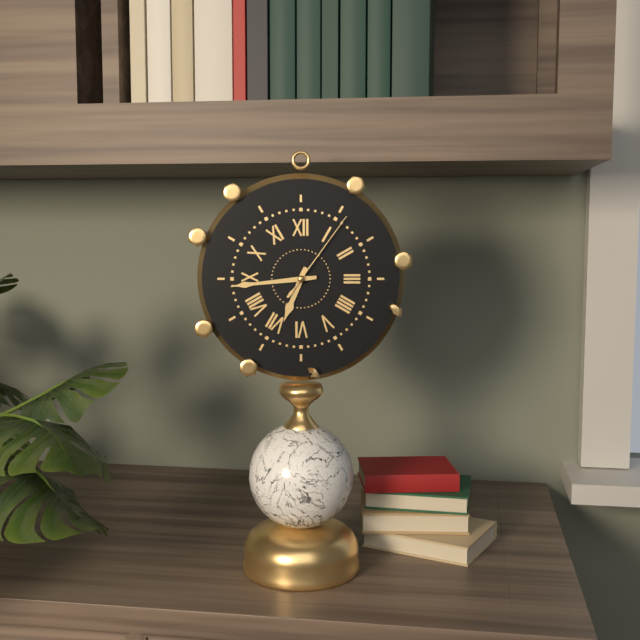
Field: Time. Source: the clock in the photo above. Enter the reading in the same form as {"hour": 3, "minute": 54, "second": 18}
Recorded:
{"hour": 6, "minute": 44, "second": 6}
